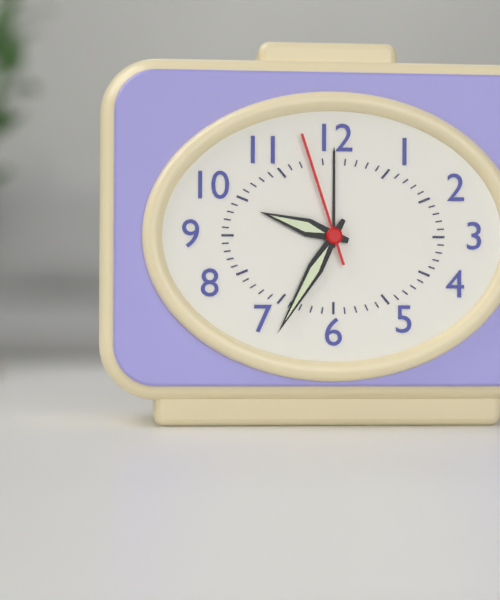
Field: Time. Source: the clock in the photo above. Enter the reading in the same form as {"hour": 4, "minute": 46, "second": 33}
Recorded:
{"hour": 9, "minute": 35, "second": 57}
